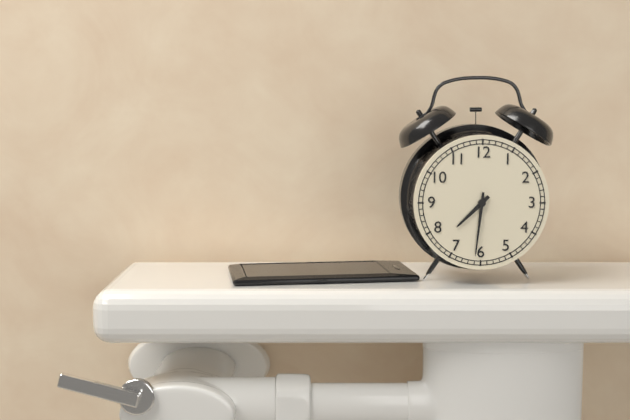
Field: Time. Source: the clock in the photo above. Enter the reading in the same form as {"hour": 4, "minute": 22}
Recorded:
{"hour": 7, "minute": 31}
